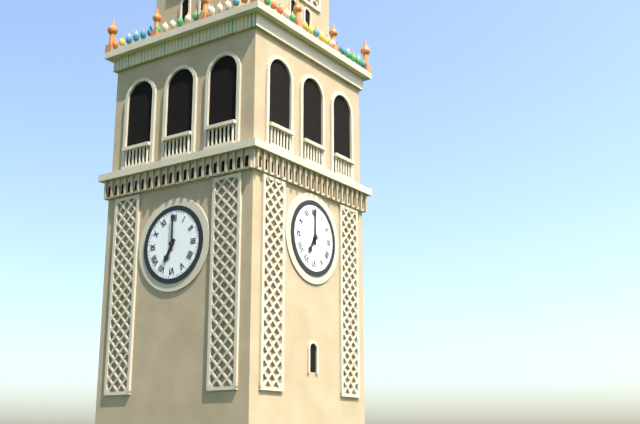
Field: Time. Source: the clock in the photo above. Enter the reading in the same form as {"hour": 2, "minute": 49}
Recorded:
{"hour": 7, "minute": 0}
